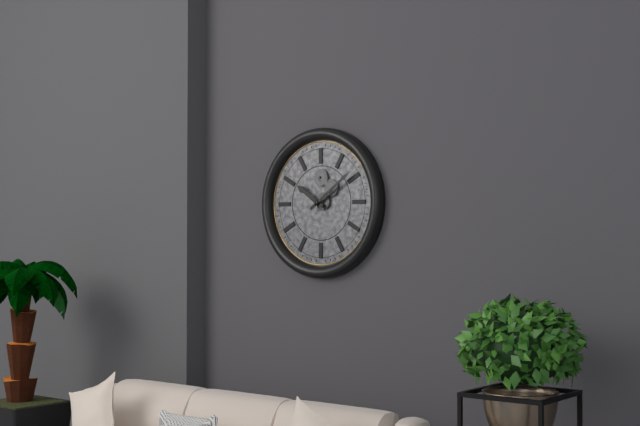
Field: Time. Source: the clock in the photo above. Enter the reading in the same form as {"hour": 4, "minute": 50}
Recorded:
{"hour": 10, "minute": 9}
